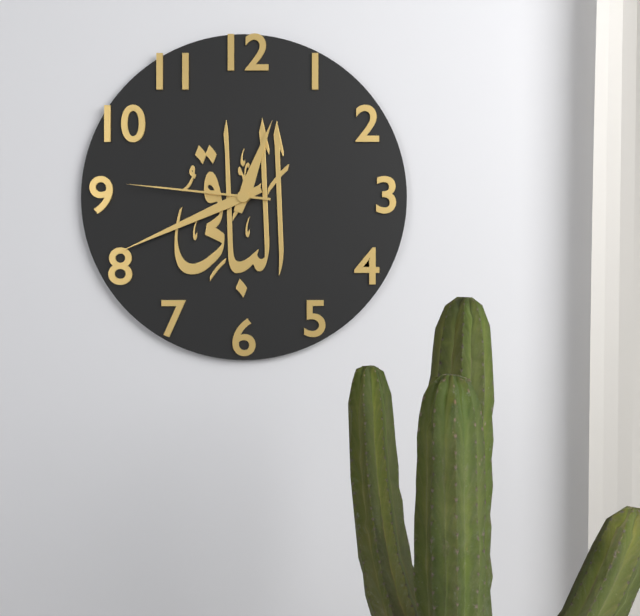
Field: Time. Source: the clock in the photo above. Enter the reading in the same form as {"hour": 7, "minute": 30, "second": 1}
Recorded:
{"hour": 12, "minute": 41, "second": 46}
